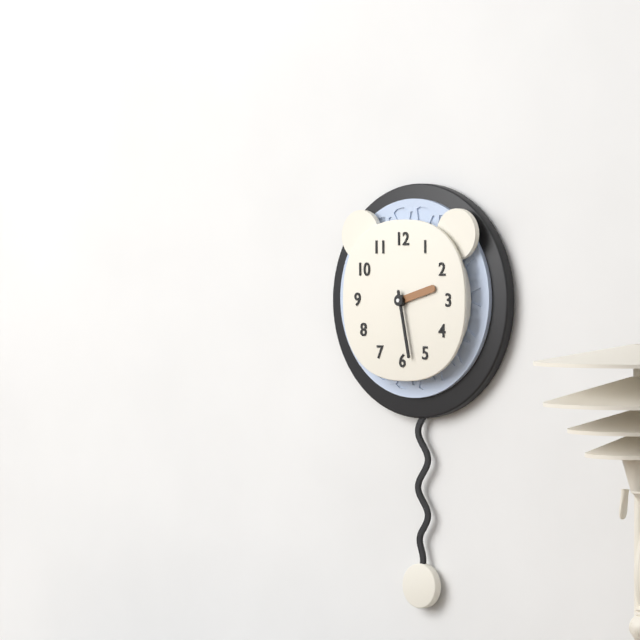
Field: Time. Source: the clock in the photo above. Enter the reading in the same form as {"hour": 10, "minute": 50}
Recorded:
{"hour": 2, "minute": 28}
